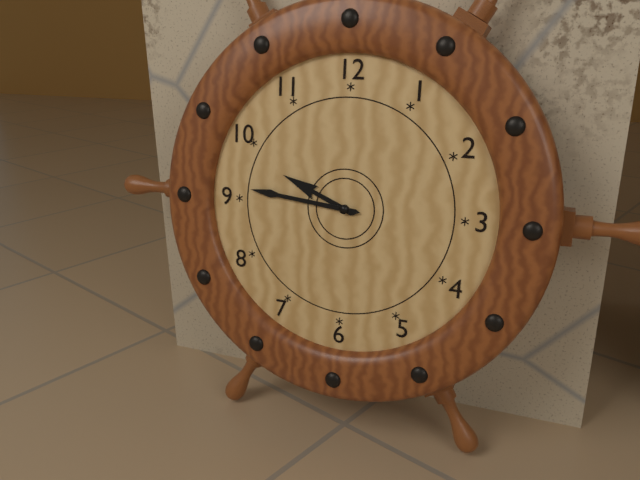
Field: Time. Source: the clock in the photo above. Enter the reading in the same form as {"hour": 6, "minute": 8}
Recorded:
{"hour": 9, "minute": 46}
